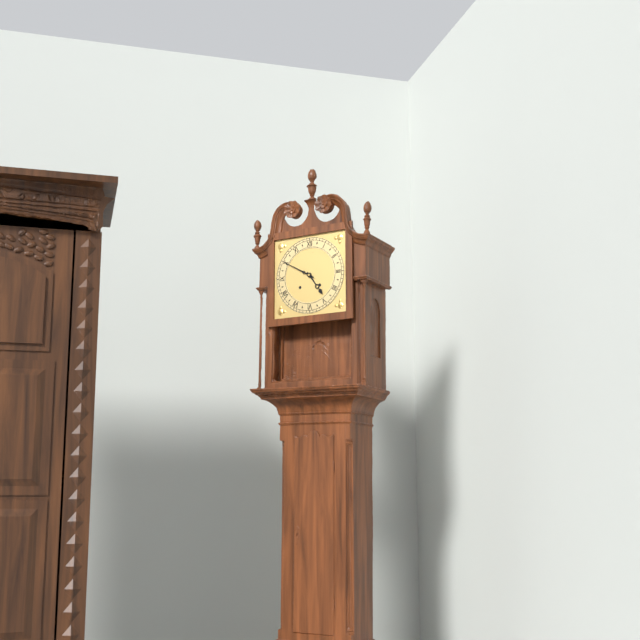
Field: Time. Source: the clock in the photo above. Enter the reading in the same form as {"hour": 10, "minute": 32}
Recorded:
{"hour": 4, "minute": 50}
